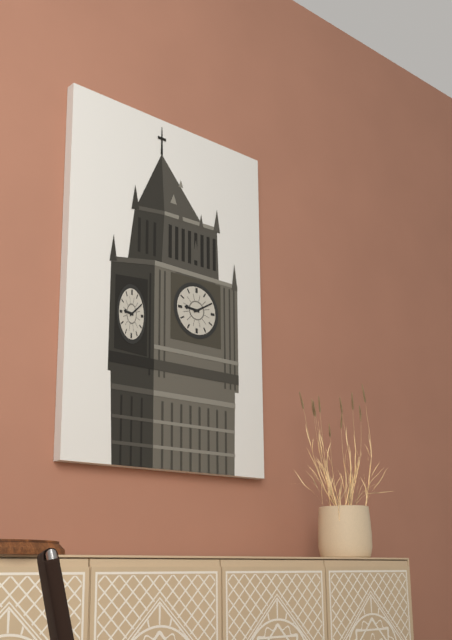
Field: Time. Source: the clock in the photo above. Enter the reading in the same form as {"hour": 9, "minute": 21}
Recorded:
{"hour": 9, "minute": 10}
